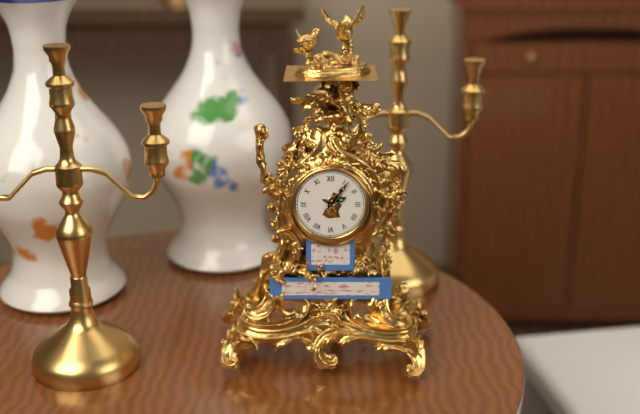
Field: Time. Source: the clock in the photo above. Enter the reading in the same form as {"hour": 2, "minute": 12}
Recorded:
{"hour": 2, "minute": 6}
